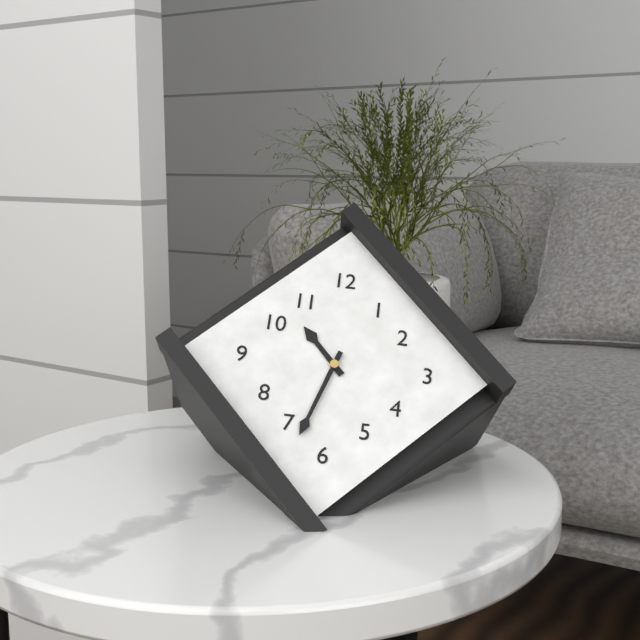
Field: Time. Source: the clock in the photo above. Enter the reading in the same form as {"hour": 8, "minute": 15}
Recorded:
{"hour": 10, "minute": 33}
